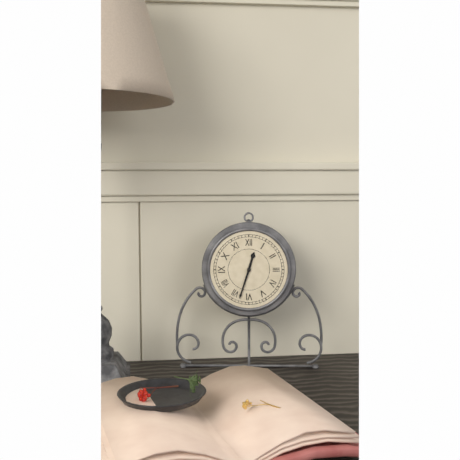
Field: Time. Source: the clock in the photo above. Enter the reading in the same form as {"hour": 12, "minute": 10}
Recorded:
{"hour": 12, "minute": 33}
